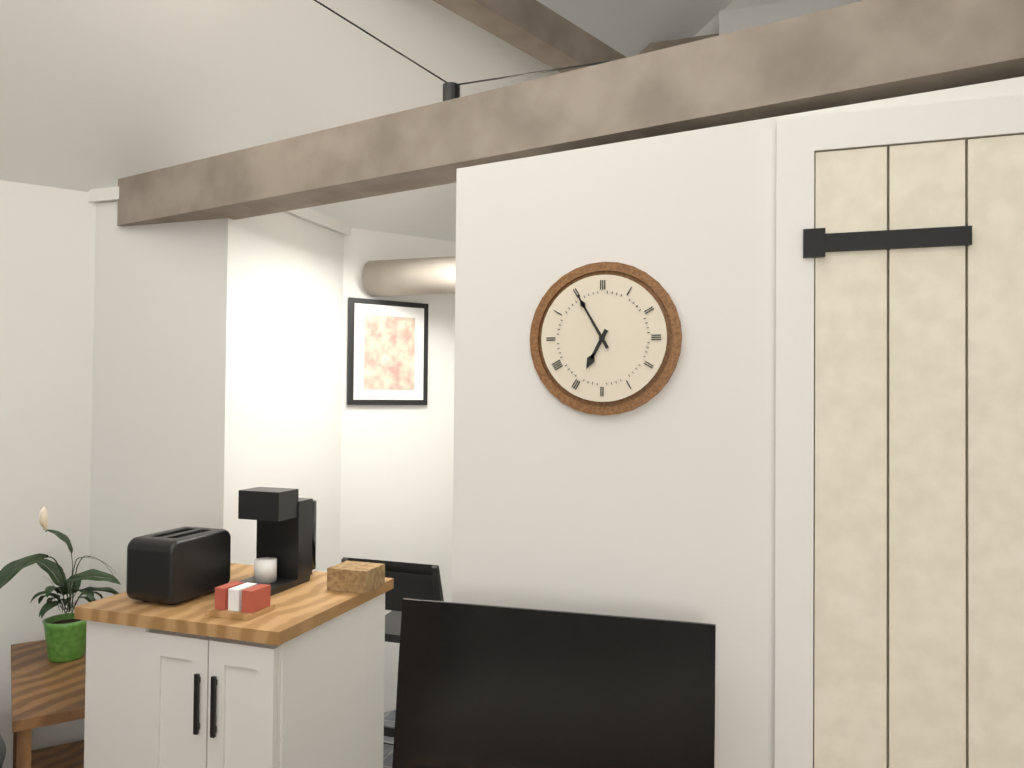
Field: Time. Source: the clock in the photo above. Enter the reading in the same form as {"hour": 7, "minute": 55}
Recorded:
{"hour": 6, "minute": 55}
